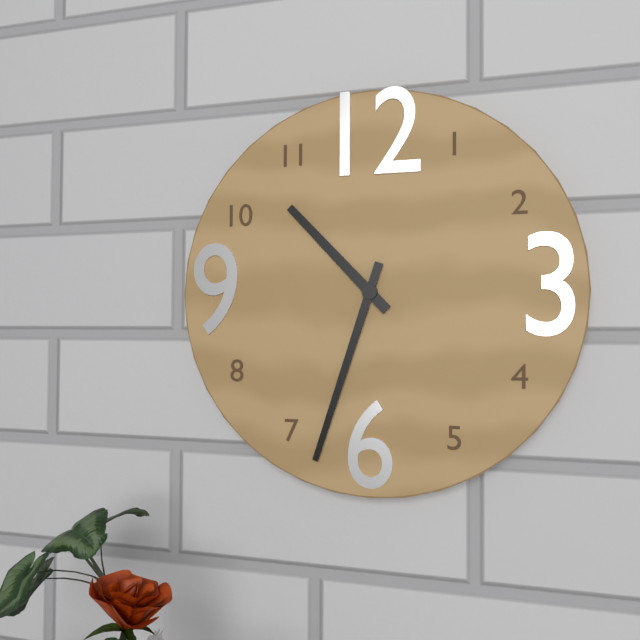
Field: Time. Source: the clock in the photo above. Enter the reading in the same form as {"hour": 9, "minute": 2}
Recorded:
{"hour": 10, "minute": 33}
